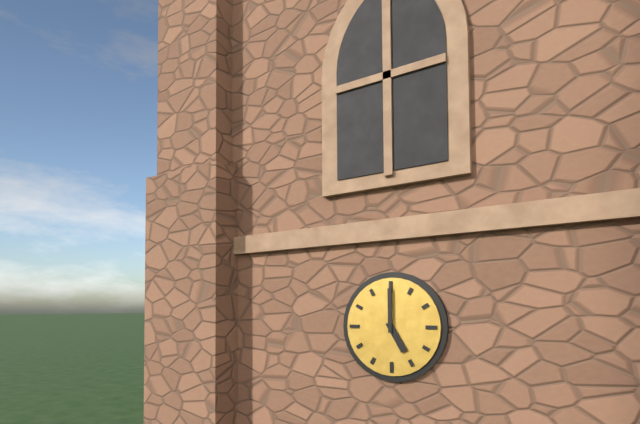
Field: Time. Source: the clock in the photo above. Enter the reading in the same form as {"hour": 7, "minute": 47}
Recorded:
{"hour": 5, "minute": 0}
